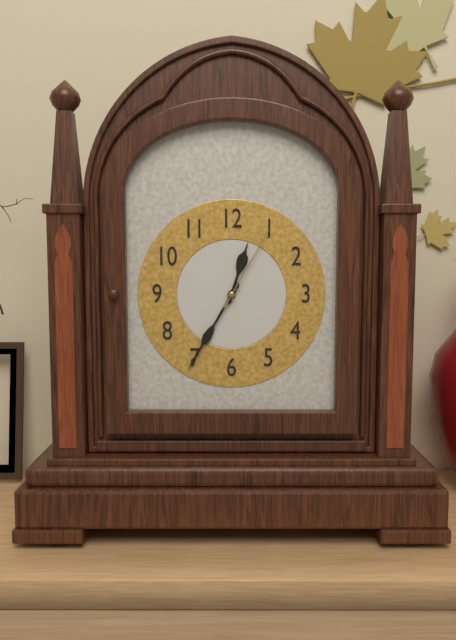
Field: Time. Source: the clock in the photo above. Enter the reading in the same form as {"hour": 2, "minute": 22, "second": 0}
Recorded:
{"hour": 12, "minute": 35, "second": 5}
